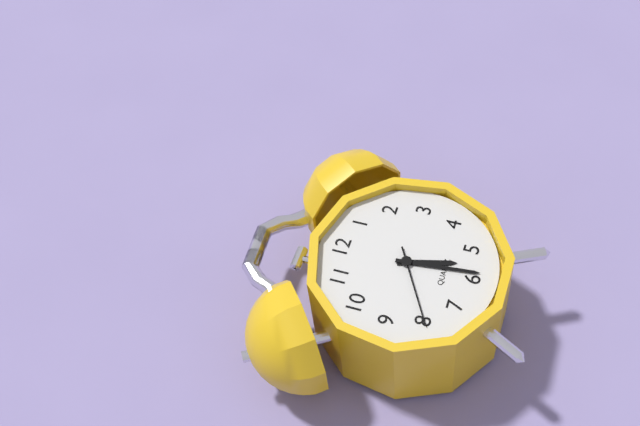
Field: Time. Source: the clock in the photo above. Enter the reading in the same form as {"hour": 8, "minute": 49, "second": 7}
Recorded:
{"hour": 5, "minute": 29, "second": 40}
